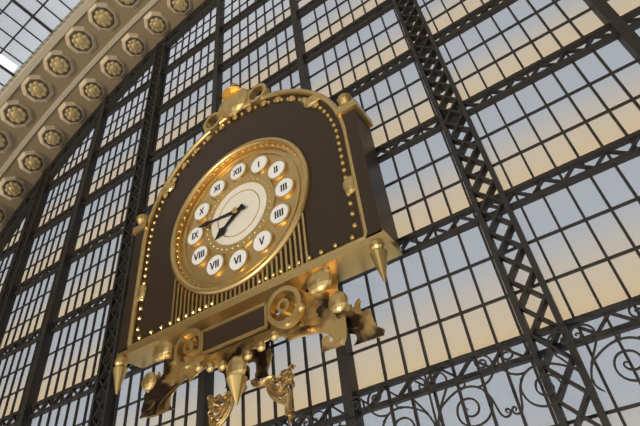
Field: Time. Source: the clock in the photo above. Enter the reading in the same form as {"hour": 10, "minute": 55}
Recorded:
{"hour": 7, "minute": 46}
